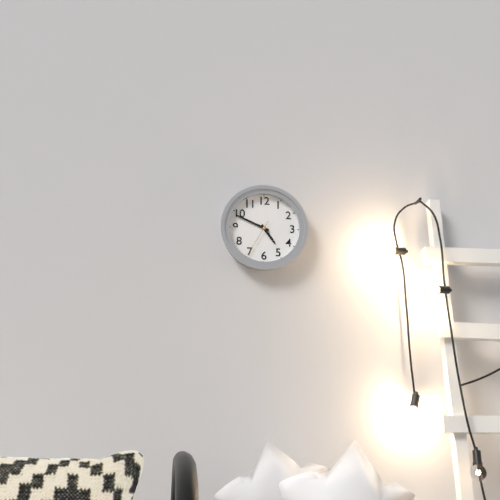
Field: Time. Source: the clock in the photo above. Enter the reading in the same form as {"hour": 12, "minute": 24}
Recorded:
{"hour": 4, "minute": 49}
